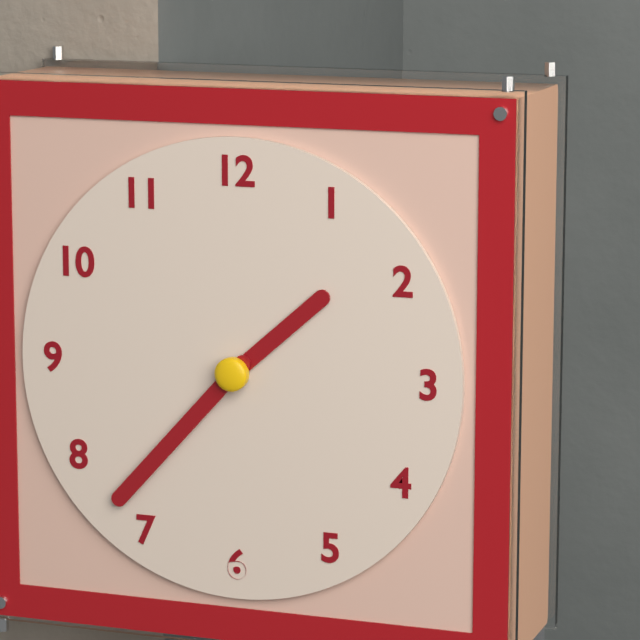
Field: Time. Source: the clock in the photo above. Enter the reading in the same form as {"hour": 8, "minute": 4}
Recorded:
{"hour": 1, "minute": 37}
